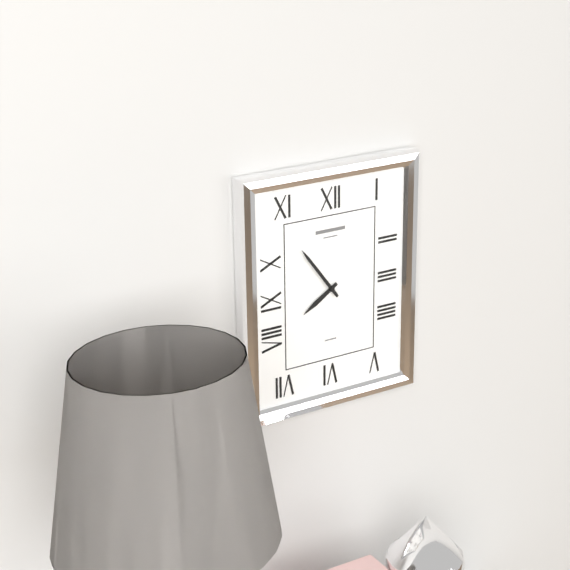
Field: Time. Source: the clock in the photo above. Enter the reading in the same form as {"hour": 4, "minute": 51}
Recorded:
{"hour": 7, "minute": 54}
